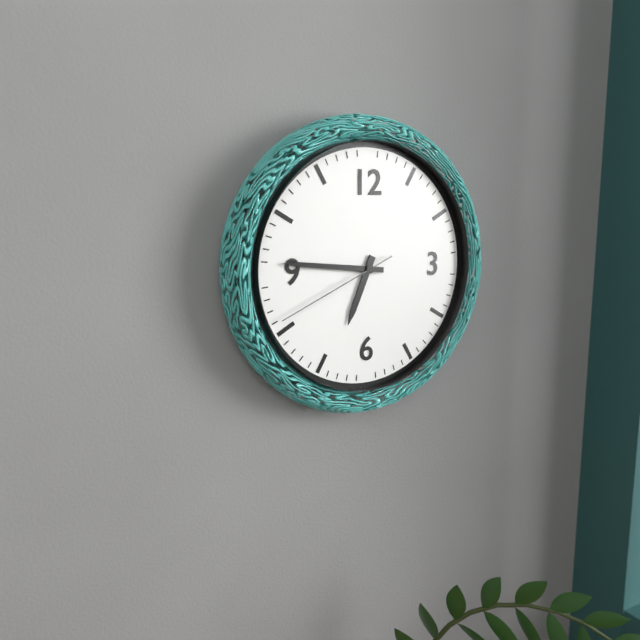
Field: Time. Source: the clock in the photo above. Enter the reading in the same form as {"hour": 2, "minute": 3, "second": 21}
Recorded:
{"hour": 6, "minute": 46, "second": 41}
